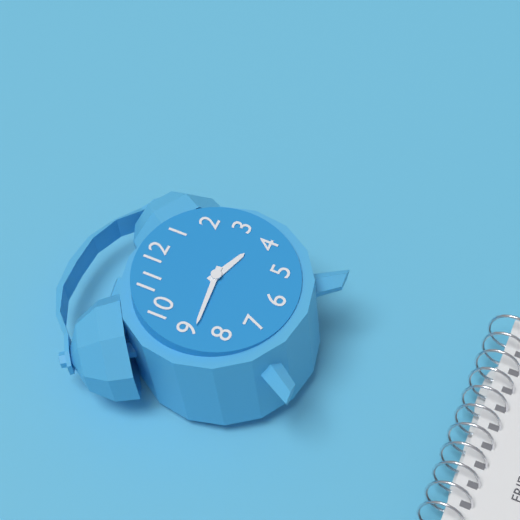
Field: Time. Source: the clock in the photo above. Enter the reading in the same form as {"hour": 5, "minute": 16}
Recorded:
{"hour": 3, "minute": 44}
